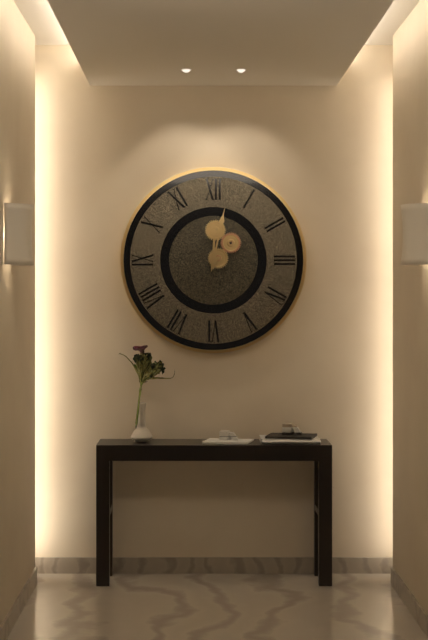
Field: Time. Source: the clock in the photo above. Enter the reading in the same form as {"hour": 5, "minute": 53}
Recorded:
{"hour": 12, "minute": 2}
